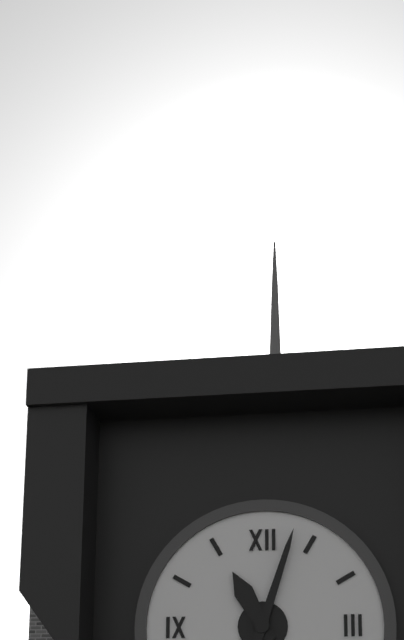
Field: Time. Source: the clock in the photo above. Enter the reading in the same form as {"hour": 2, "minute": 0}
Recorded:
{"hour": 11, "minute": 3}
